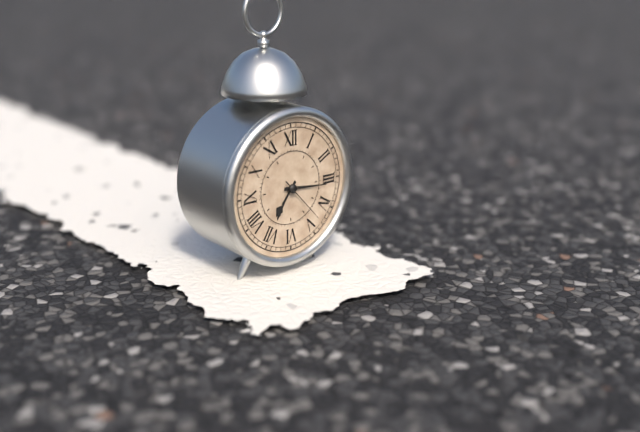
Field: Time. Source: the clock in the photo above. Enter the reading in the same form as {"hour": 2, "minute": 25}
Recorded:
{"hour": 7, "minute": 16}
